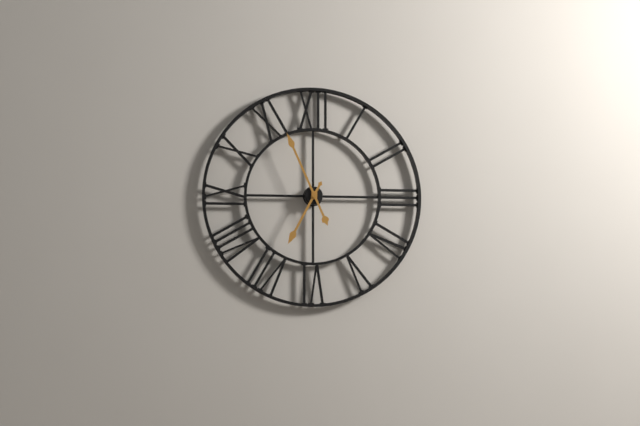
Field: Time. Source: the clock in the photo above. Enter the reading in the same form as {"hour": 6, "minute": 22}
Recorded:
{"hour": 6, "minute": 56}
